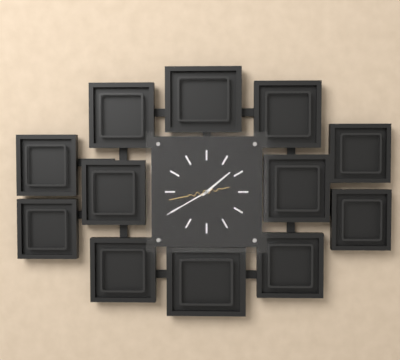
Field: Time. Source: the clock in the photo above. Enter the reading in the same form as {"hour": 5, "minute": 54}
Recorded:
{"hour": 1, "minute": 40}
